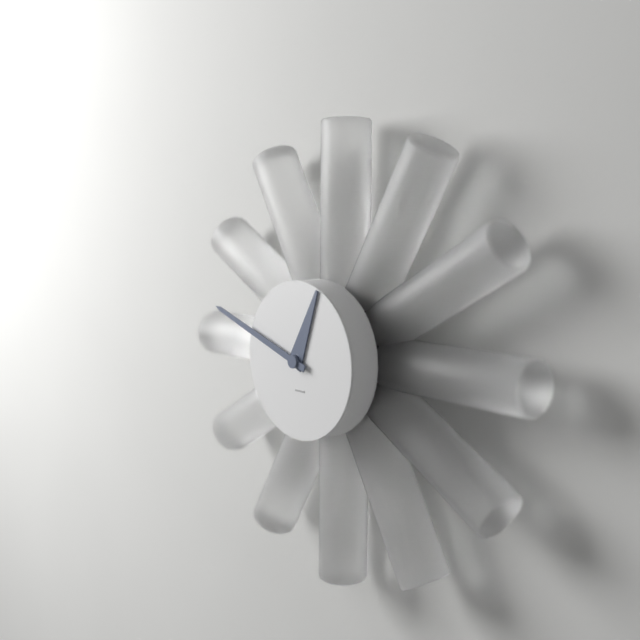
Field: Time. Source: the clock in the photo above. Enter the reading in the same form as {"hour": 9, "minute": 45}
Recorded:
{"hour": 12, "minute": 48}
